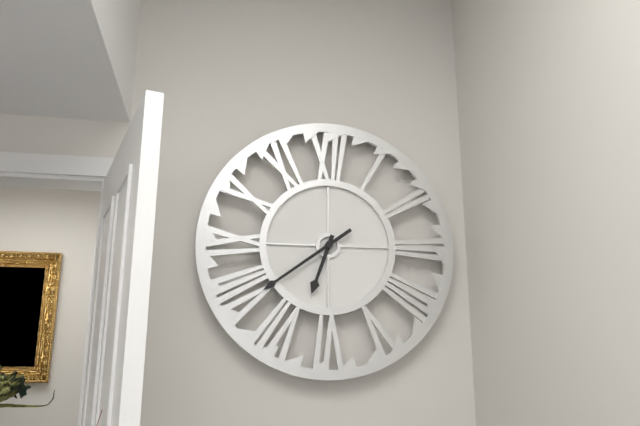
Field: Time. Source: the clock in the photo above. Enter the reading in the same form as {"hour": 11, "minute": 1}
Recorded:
{"hour": 6, "minute": 39}
